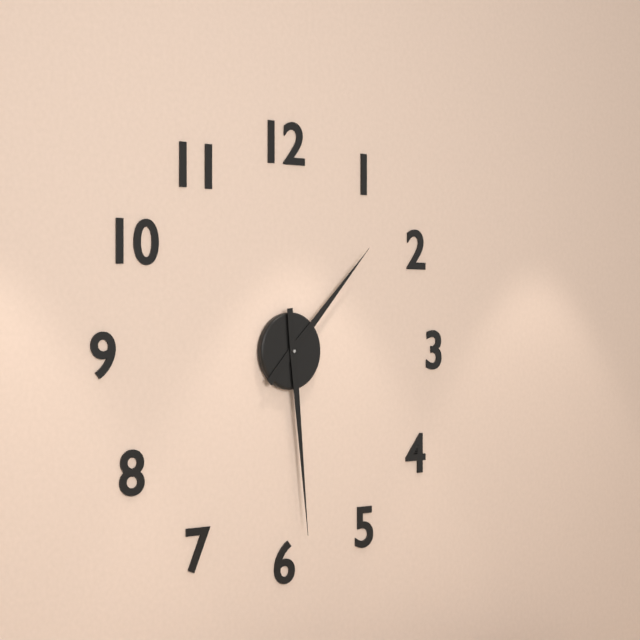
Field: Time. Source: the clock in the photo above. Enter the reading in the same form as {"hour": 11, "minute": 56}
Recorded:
{"hour": 1, "minute": 29}
